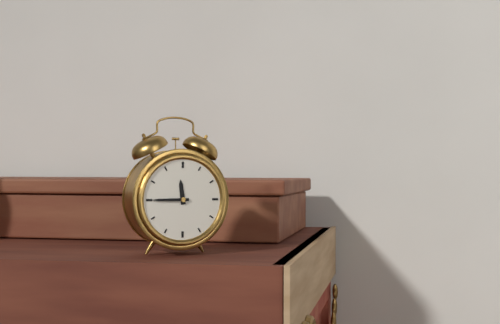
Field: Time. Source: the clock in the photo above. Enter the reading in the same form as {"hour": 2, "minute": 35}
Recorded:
{"hour": 11, "minute": 45}
